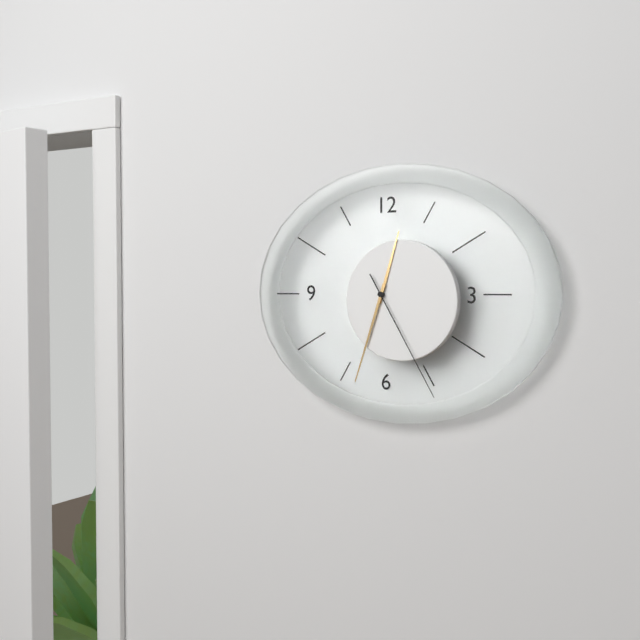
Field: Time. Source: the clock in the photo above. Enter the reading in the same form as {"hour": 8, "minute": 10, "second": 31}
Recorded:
{"hour": 12, "minute": 33, "second": 25}
